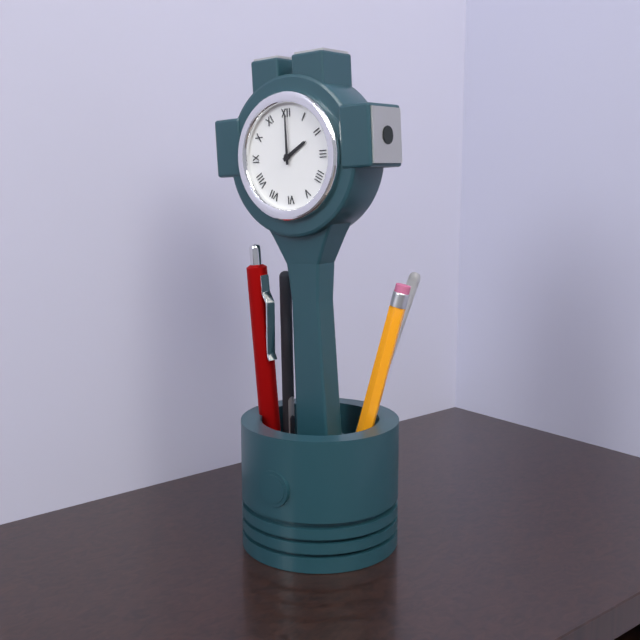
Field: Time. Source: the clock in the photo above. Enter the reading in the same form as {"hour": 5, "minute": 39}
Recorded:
{"hour": 2, "minute": 0}
